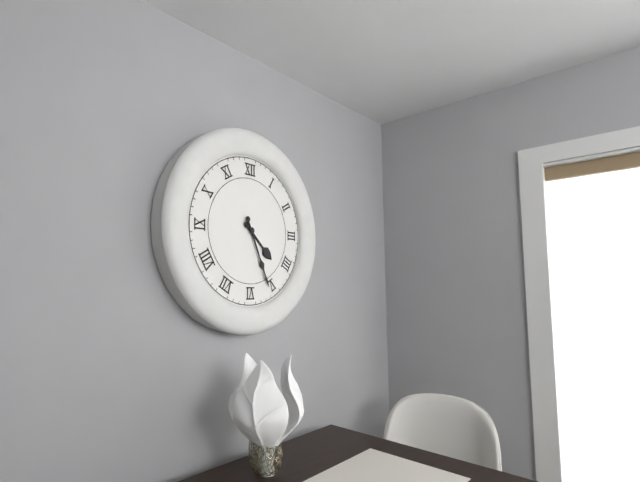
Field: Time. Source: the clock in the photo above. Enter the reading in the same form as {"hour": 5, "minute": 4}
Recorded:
{"hour": 4, "minute": 26}
